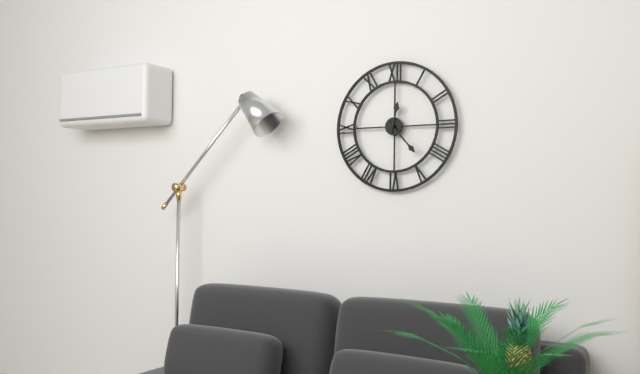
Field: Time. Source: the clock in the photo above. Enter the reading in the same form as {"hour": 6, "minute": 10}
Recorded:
{"hour": 12, "minute": 23}
